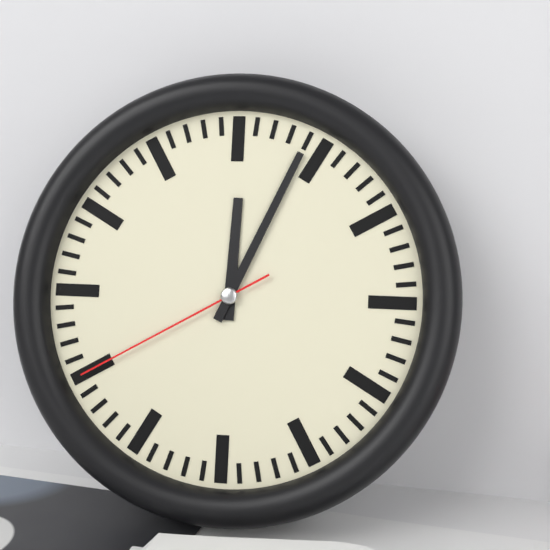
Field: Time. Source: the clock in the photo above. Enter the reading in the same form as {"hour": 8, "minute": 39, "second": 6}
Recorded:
{"hour": 12, "minute": 4, "second": 40}
